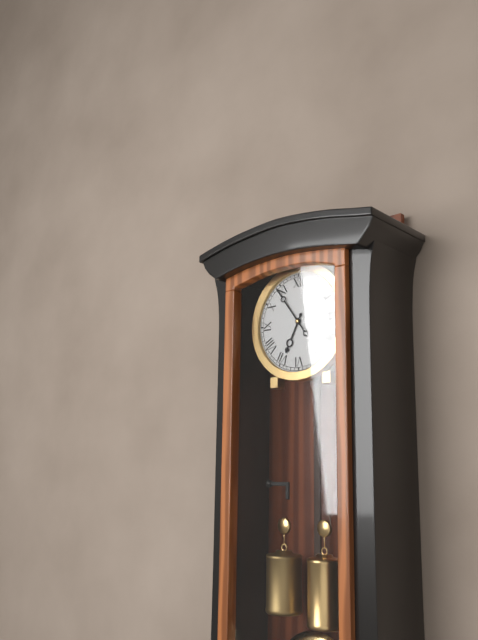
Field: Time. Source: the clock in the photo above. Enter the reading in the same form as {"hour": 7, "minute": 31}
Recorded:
{"hour": 6, "minute": 54}
